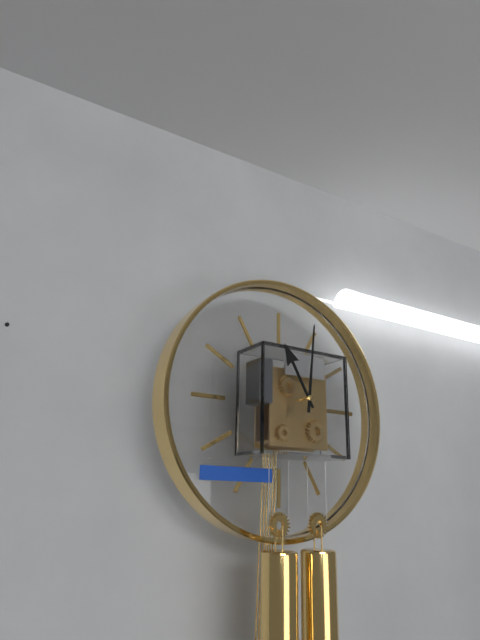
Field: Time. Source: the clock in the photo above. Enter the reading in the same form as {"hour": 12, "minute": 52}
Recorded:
{"hour": 11, "minute": 1}
